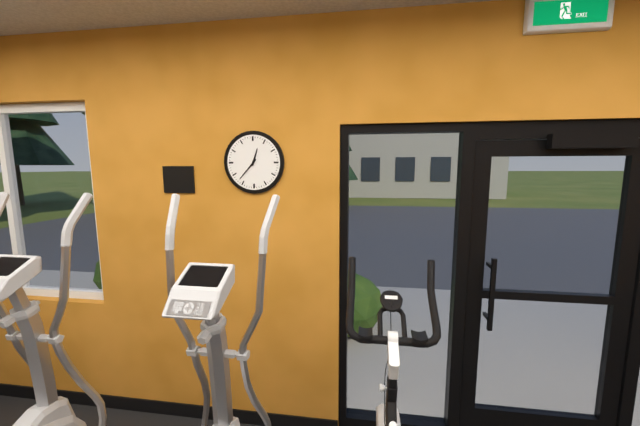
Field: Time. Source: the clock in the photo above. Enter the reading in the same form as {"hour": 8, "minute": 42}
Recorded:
{"hour": 12, "minute": 37}
